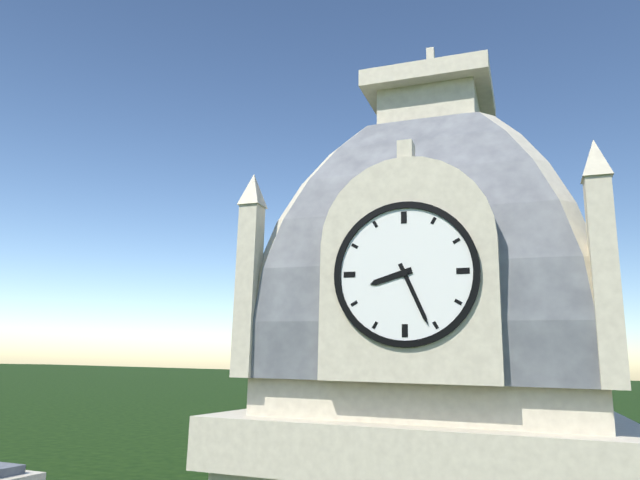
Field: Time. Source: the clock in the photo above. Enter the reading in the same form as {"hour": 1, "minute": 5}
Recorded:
{"hour": 8, "minute": 26}
